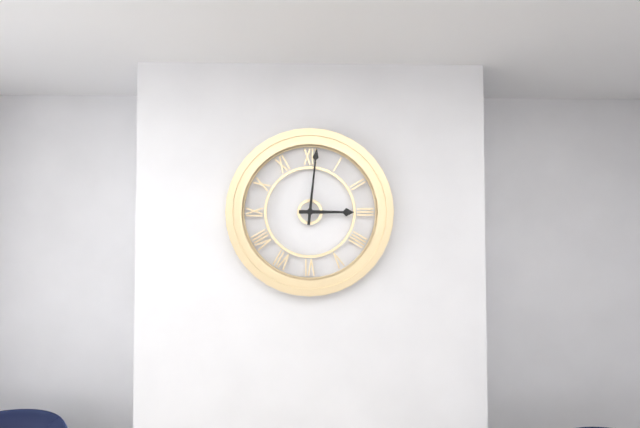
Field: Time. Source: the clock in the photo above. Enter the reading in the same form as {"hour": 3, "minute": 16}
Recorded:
{"hour": 3, "minute": 1}
